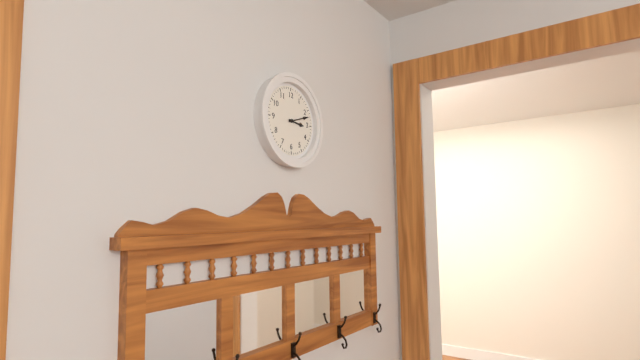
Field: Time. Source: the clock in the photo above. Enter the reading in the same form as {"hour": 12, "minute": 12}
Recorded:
{"hour": 3, "minute": 12}
